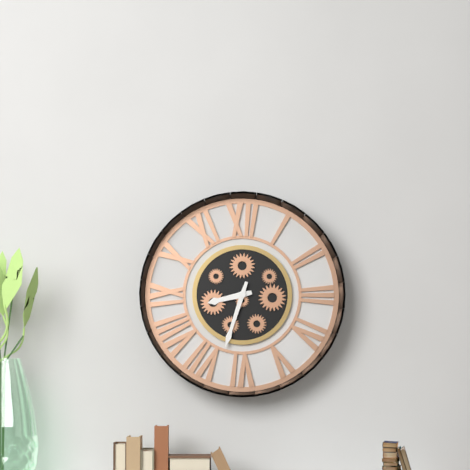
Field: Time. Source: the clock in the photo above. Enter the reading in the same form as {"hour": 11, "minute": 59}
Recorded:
{"hour": 8, "minute": 33}
